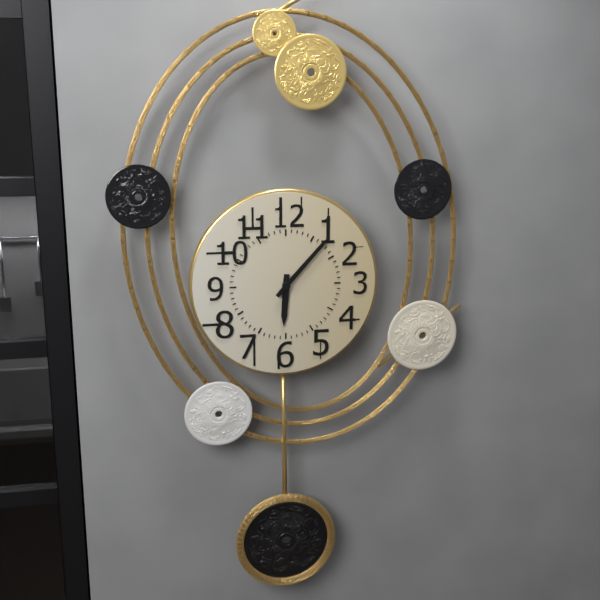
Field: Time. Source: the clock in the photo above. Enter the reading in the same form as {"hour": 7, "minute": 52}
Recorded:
{"hour": 6, "minute": 7}
